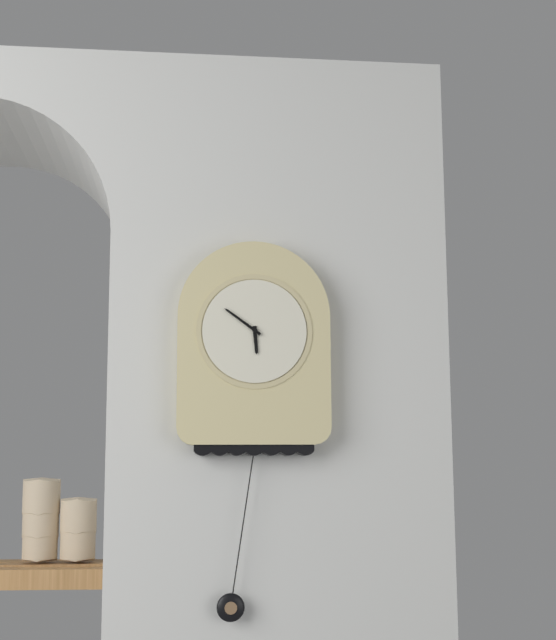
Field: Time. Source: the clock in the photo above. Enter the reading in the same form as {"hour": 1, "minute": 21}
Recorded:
{"hour": 5, "minute": 51}
